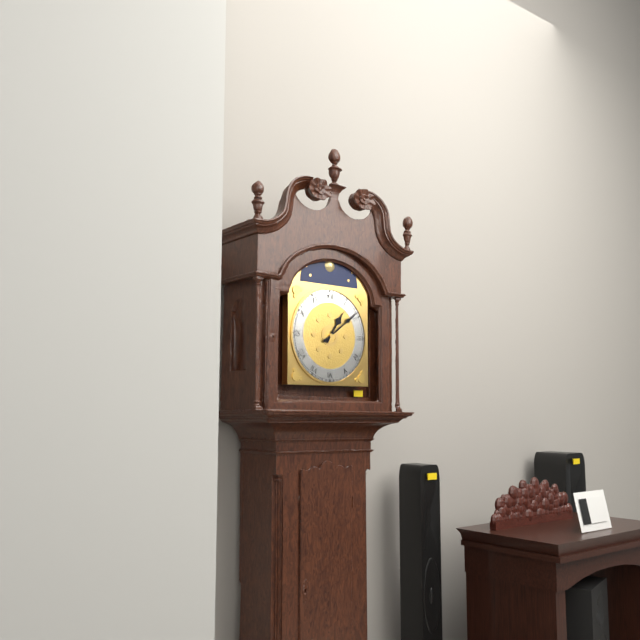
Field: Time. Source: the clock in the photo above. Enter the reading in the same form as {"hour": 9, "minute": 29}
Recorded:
{"hour": 1, "minute": 9}
